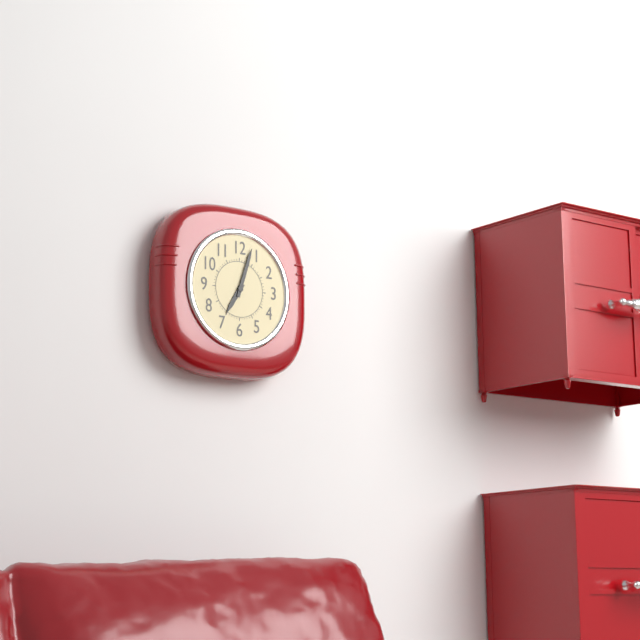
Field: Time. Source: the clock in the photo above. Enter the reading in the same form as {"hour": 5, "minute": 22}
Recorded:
{"hour": 7, "minute": 3}
